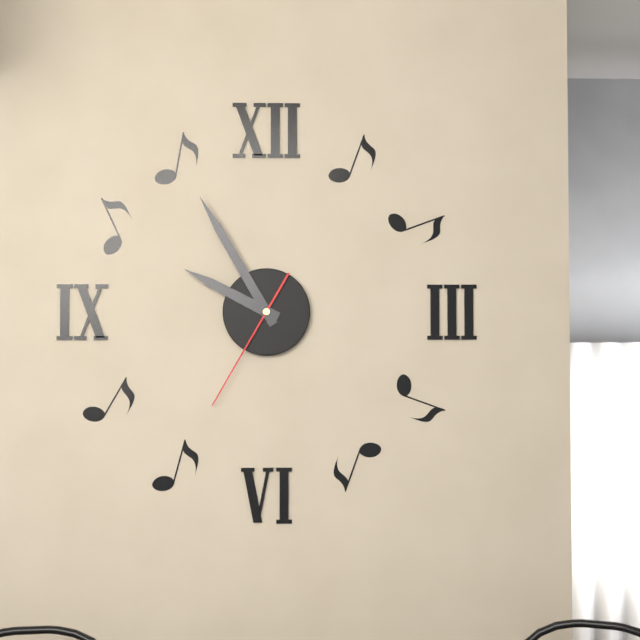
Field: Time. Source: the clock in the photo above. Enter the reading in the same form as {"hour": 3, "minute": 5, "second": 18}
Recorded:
{"hour": 9, "minute": 55, "second": 35}
